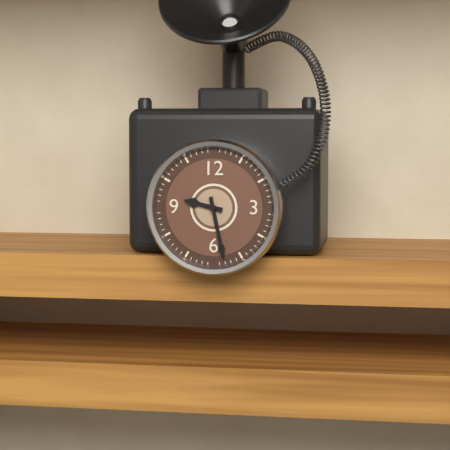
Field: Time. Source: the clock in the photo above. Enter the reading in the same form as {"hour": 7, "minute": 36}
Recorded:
{"hour": 9, "minute": 28}
